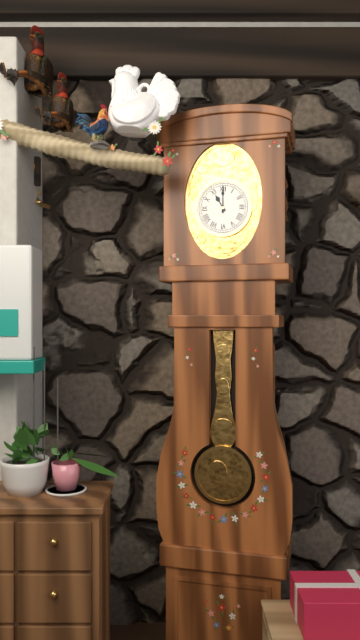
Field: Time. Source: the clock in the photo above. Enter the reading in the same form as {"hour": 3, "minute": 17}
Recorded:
{"hour": 11, "minute": 0}
